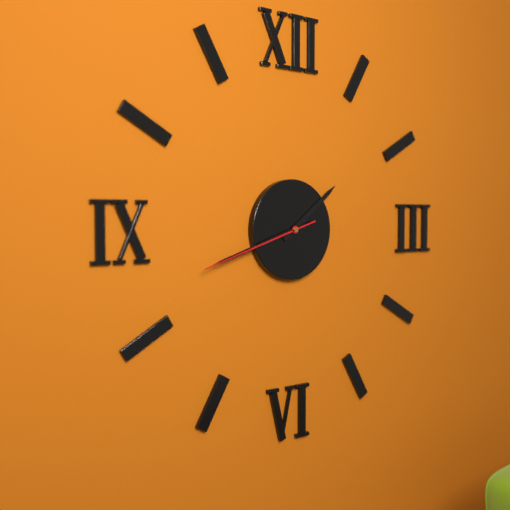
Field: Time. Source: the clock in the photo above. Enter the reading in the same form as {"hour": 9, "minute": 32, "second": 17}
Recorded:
{"hour": 1, "minute": 42, "second": 42}
